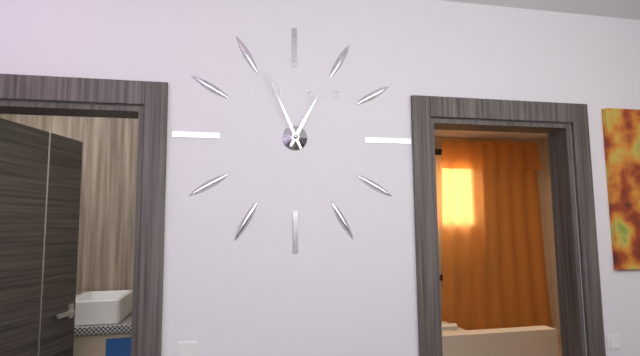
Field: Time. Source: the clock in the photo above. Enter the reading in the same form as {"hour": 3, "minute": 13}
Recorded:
{"hour": 12, "minute": 56}
